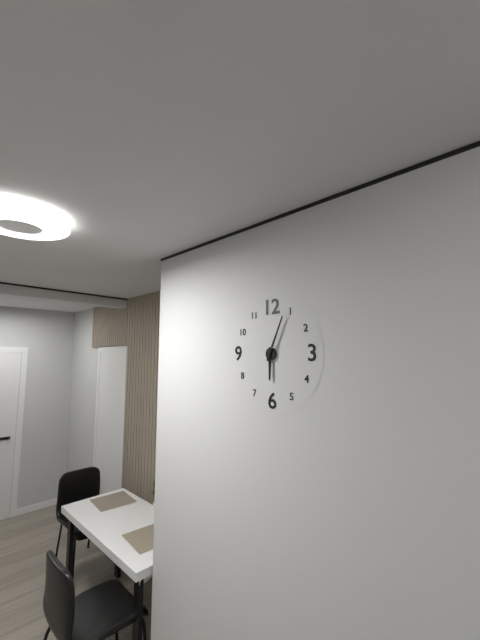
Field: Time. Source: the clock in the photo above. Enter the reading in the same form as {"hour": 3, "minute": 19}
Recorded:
{"hour": 6, "minute": 4}
